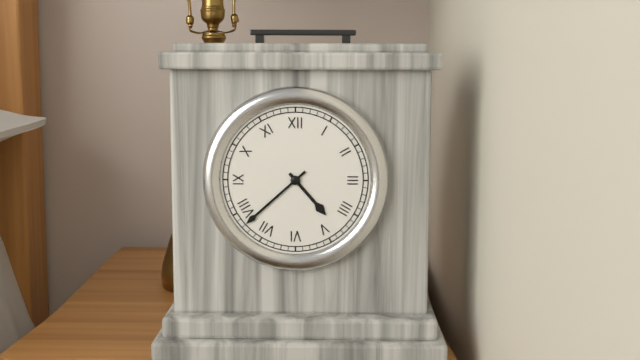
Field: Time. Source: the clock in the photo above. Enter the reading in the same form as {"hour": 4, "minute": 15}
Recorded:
{"hour": 4, "minute": 38}
